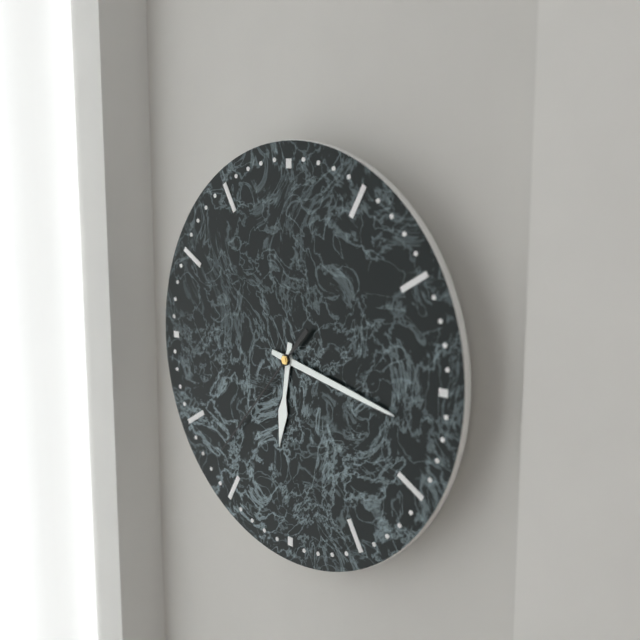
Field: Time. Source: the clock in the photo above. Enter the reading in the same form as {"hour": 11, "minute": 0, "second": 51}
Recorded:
{"hour": 6, "minute": 17, "second": 37}
